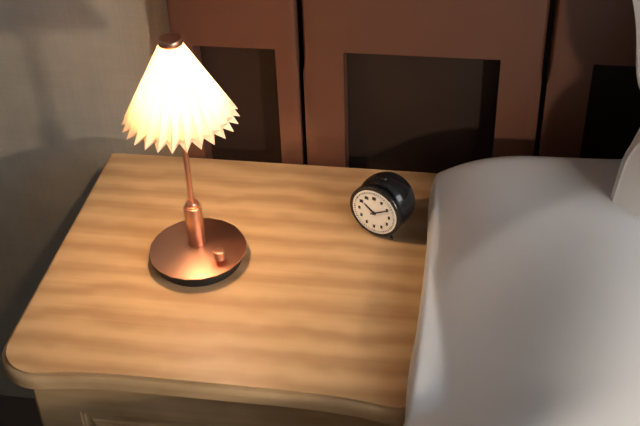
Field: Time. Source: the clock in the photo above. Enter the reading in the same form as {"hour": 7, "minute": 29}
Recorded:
{"hour": 10, "minute": 10}
